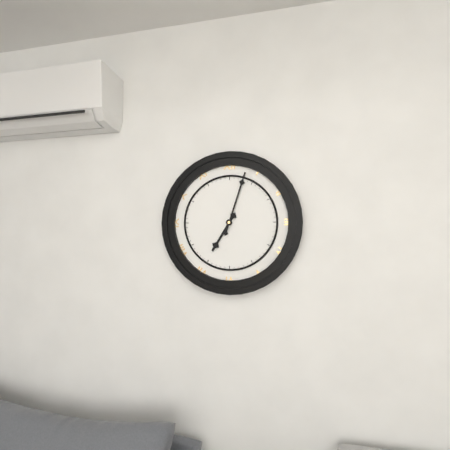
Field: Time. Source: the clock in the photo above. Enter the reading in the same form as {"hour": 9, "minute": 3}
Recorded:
{"hour": 7, "minute": 3}
